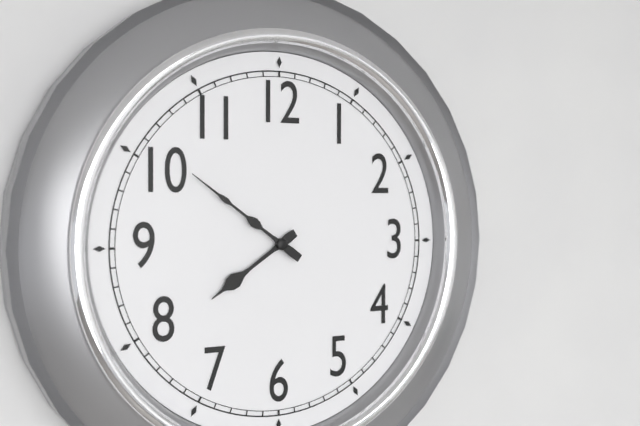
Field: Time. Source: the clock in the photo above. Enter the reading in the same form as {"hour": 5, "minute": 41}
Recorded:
{"hour": 7, "minute": 51}
